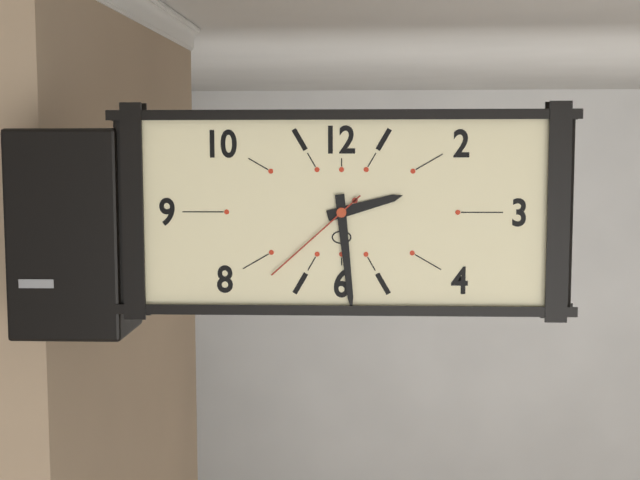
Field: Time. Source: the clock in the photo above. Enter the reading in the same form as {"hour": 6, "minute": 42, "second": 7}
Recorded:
{"hour": 2, "minute": 29, "second": 38}
